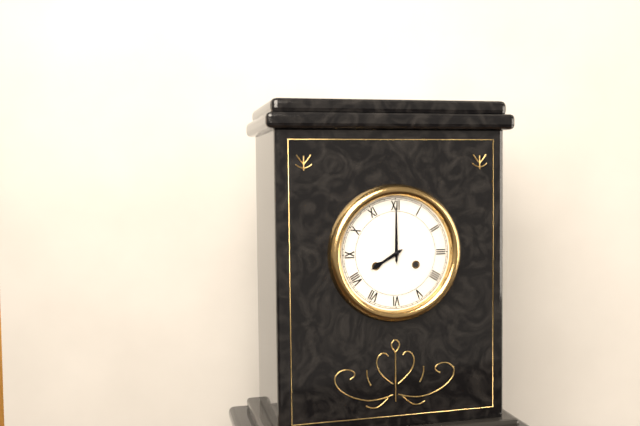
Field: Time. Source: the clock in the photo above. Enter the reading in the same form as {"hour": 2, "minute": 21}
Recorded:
{"hour": 8, "minute": 0}
